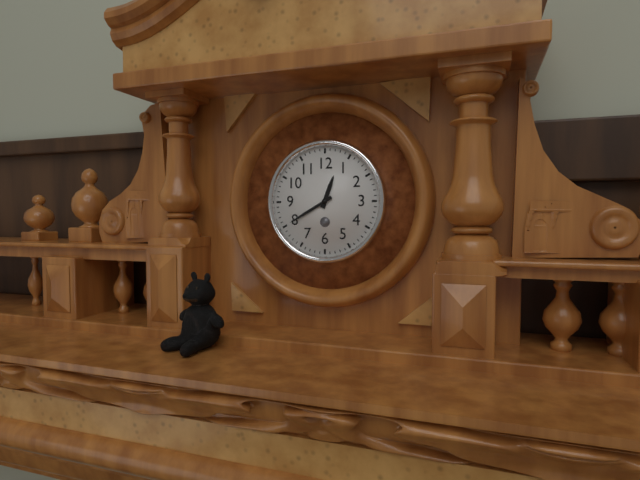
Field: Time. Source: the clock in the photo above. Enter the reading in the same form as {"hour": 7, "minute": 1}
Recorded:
{"hour": 12, "minute": 40}
